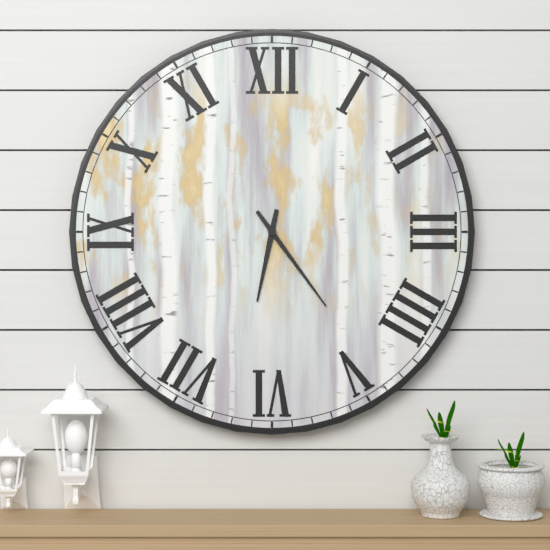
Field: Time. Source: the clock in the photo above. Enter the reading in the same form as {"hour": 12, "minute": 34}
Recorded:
{"hour": 6, "minute": 24}
